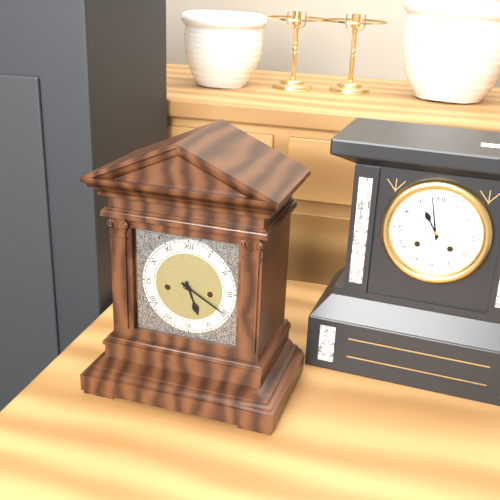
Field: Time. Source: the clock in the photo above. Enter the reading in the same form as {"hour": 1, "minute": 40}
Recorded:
{"hour": 5, "minute": 20}
